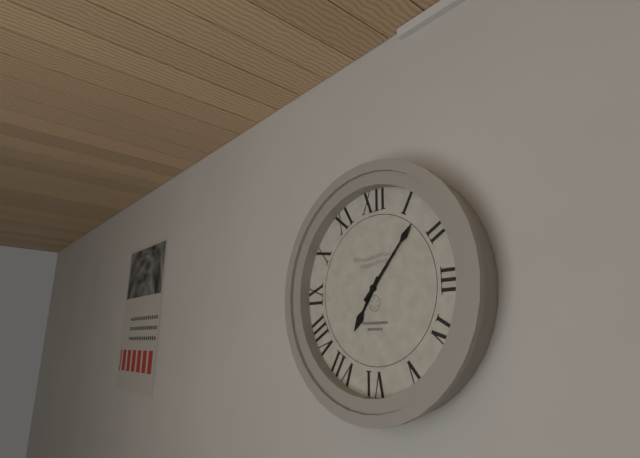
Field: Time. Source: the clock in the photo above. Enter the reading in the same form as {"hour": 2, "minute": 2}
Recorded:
{"hour": 7, "minute": 7}
